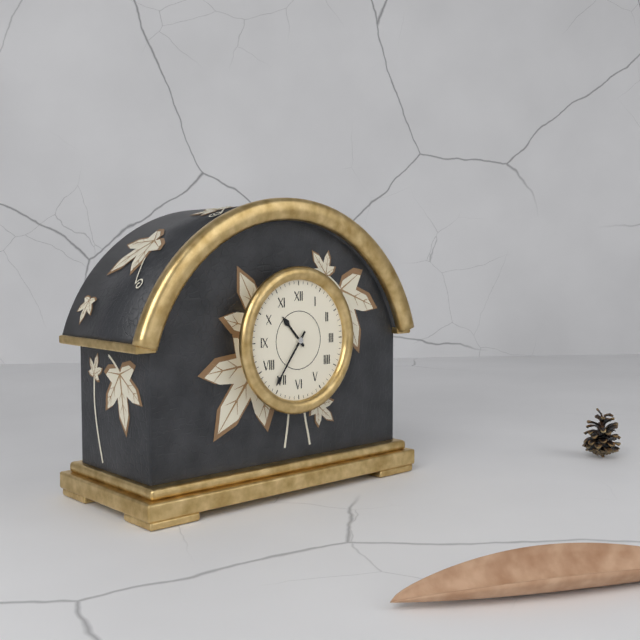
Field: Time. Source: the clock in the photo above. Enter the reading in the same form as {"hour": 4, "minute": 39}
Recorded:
{"hour": 10, "minute": 36}
